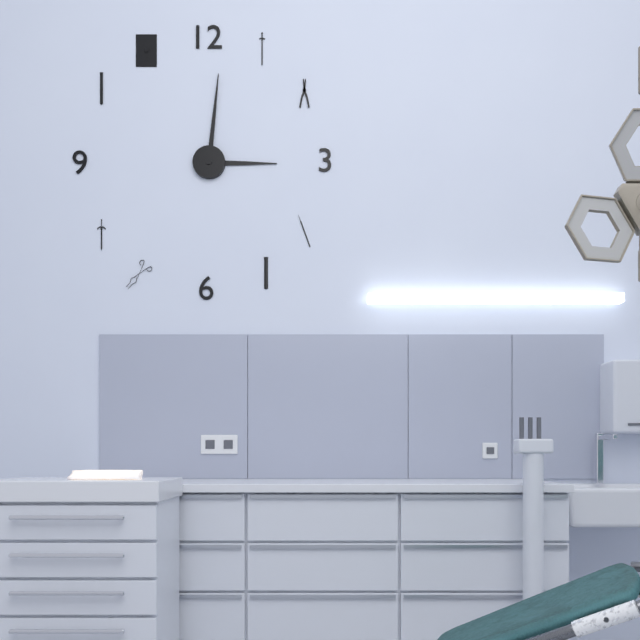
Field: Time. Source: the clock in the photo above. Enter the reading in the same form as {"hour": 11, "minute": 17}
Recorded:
{"hour": 3, "minute": 1}
